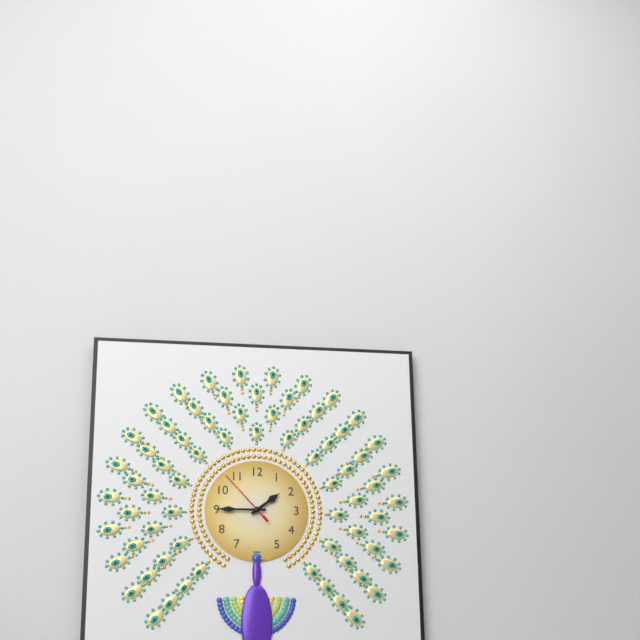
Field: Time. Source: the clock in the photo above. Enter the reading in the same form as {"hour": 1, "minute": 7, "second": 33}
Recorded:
{"hour": 1, "minute": 45, "second": 53}
